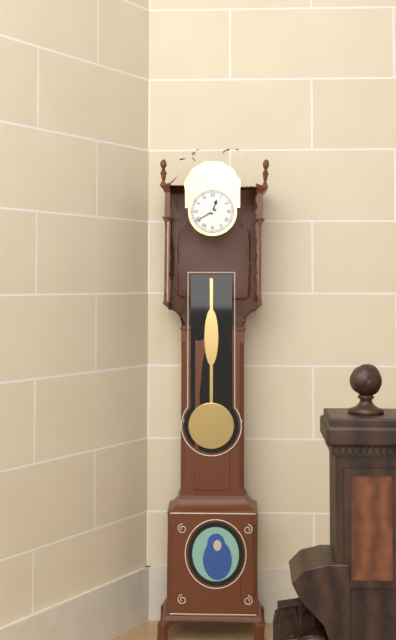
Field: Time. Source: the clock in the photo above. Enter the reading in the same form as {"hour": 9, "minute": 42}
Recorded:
{"hour": 12, "minute": 40}
